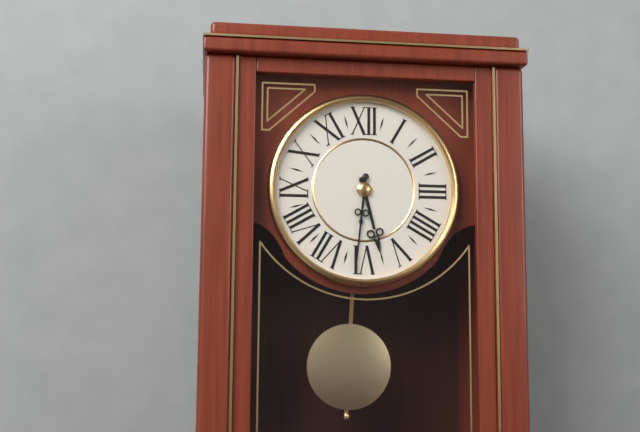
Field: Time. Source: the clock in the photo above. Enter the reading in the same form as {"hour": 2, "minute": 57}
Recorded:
{"hour": 5, "minute": 31}
